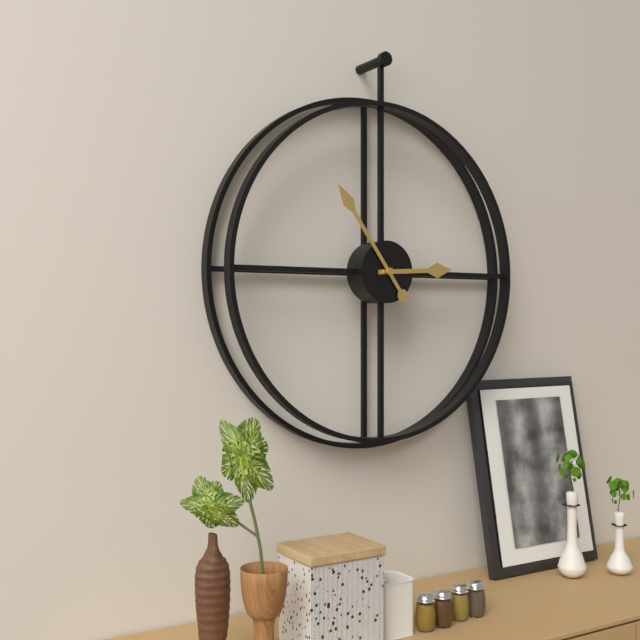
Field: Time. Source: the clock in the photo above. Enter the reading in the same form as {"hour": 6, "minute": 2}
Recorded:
{"hour": 2, "minute": 54}
